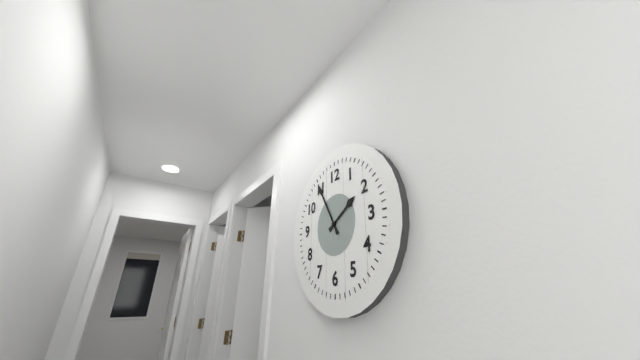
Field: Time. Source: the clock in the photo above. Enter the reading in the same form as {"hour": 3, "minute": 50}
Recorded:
{"hour": 1, "minute": 55}
